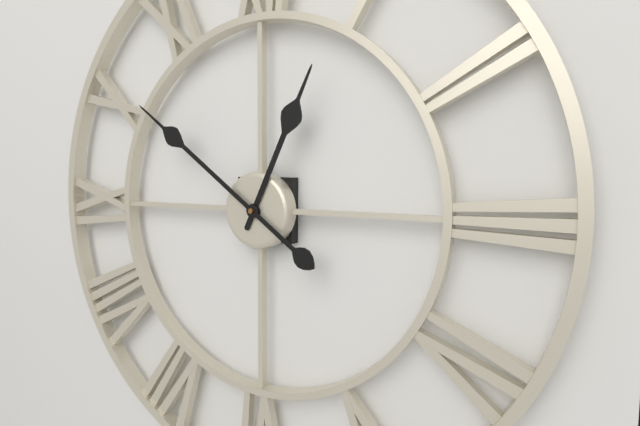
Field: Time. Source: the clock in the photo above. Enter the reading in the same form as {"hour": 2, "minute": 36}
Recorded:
{"hour": 12, "minute": 51}
